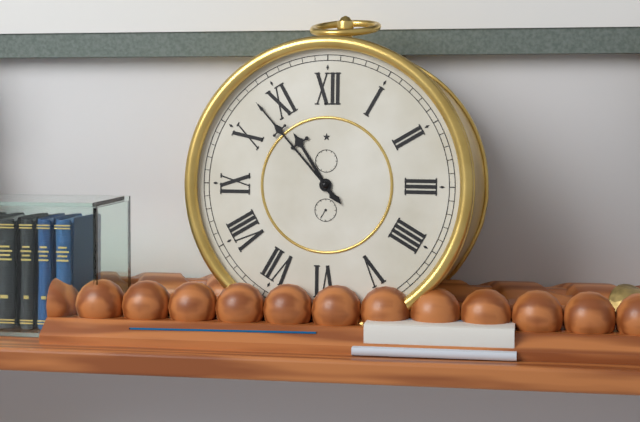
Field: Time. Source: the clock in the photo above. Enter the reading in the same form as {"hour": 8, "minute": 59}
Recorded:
{"hour": 10, "minute": 53}
